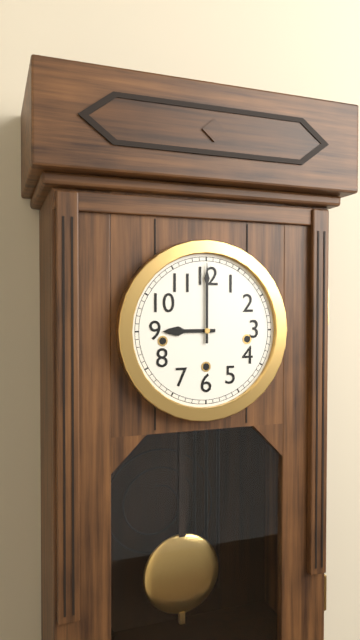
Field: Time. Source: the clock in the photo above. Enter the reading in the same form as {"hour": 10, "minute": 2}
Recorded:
{"hour": 9, "minute": 0}
